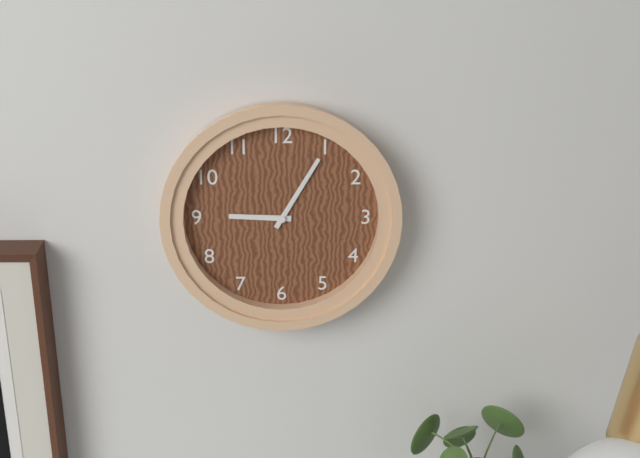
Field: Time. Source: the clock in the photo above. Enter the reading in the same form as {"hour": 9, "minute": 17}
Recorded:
{"hour": 9, "minute": 5}
